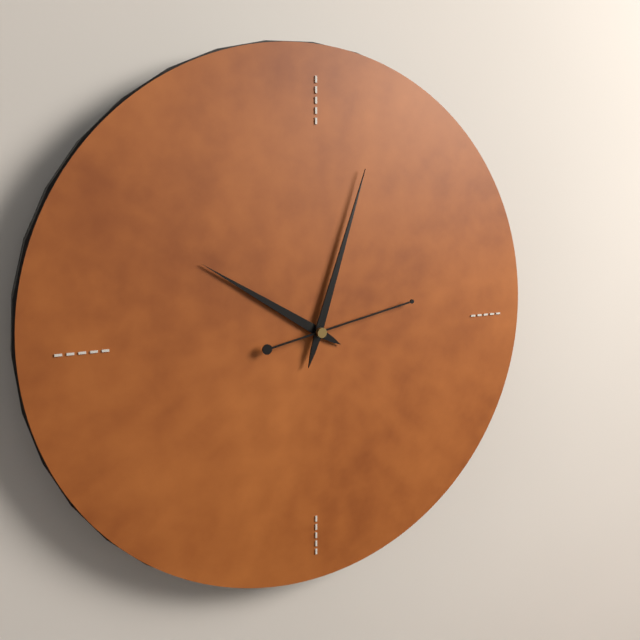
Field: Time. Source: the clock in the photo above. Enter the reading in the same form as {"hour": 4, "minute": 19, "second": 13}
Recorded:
{"hour": 10, "minute": 3, "second": 13}
